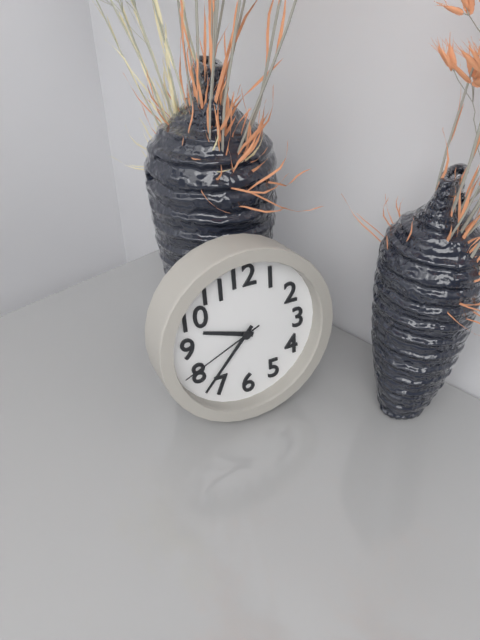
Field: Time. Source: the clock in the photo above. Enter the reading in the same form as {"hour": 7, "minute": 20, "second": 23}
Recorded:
{"hour": 9, "minute": 37, "second": 41}
